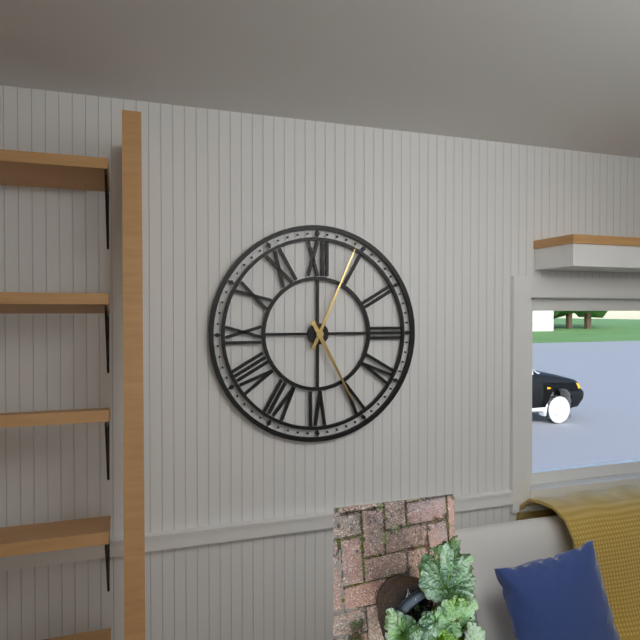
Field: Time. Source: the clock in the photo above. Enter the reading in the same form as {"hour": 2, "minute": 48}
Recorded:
{"hour": 5, "minute": 4}
